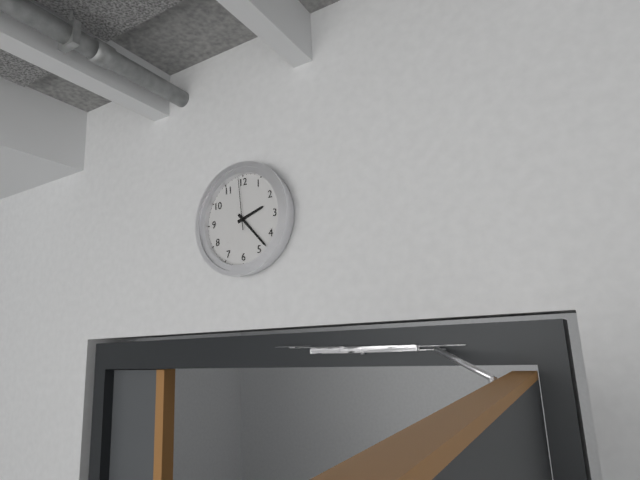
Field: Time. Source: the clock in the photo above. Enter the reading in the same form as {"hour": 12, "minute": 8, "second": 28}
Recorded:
{"hour": 2, "minute": 23, "second": 59}
